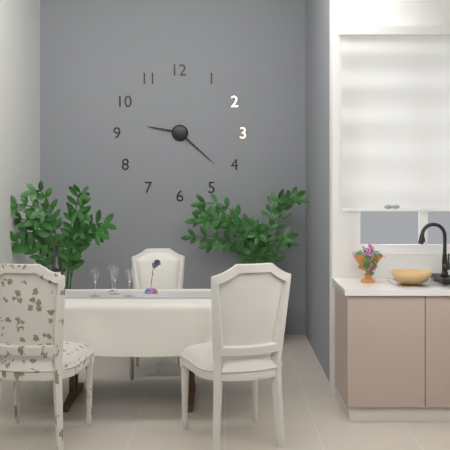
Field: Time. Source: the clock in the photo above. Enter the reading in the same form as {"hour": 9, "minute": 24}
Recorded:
{"hour": 9, "minute": 22}
